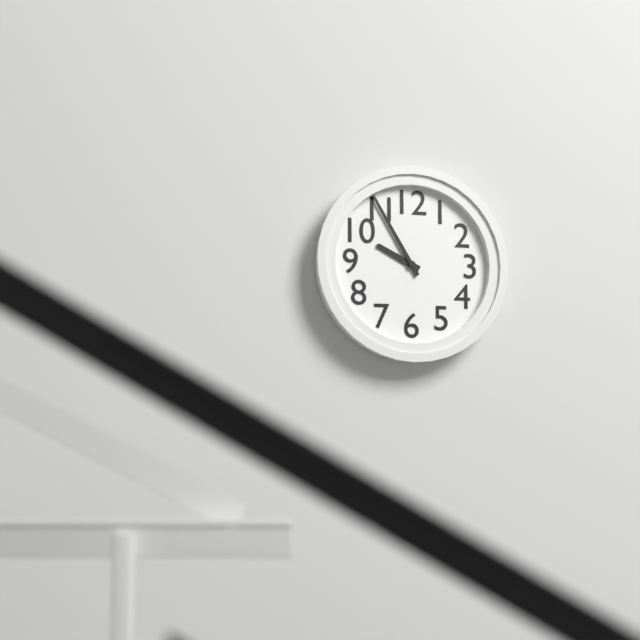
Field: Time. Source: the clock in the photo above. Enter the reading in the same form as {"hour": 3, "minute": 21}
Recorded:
{"hour": 9, "minute": 55}
